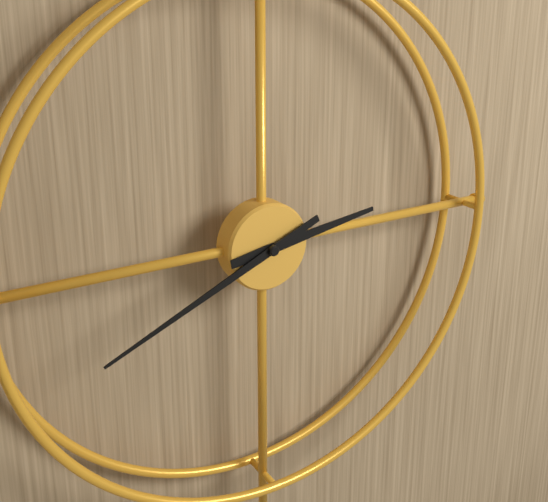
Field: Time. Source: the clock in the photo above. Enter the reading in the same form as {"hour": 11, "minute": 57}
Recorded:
{"hour": 2, "minute": 41}
